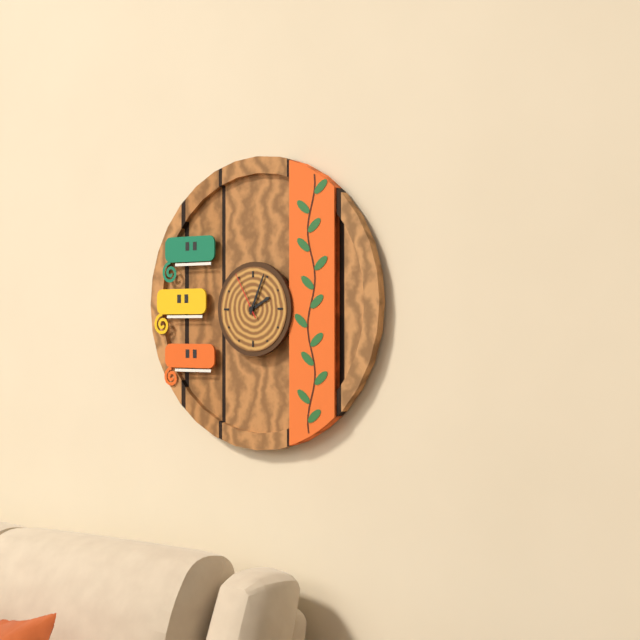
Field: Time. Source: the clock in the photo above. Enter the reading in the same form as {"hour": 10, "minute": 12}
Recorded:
{"hour": 2, "minute": 4}
